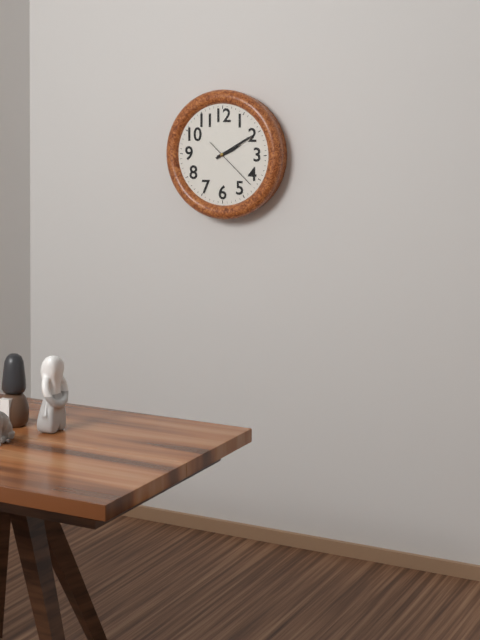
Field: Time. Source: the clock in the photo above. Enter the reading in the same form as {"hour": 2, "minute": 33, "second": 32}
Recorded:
{"hour": 2, "minute": 10, "second": 22}
